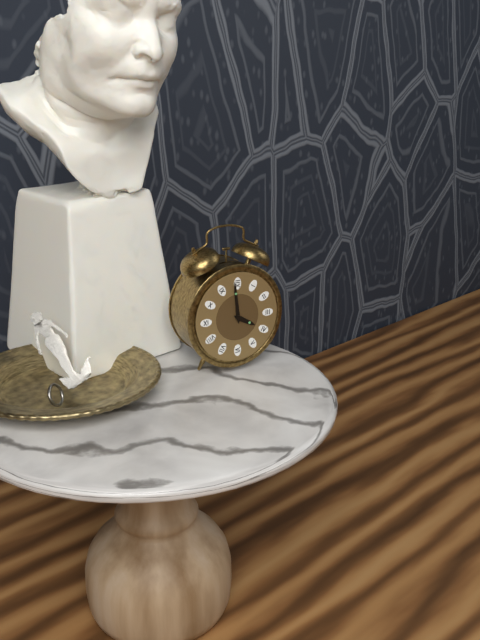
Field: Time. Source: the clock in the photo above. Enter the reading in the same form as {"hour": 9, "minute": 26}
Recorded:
{"hour": 3, "minute": 59}
